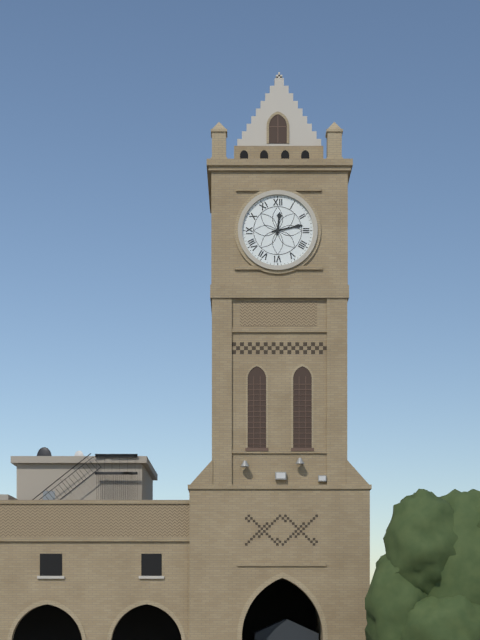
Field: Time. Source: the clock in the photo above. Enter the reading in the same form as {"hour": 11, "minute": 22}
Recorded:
{"hour": 12, "minute": 13}
